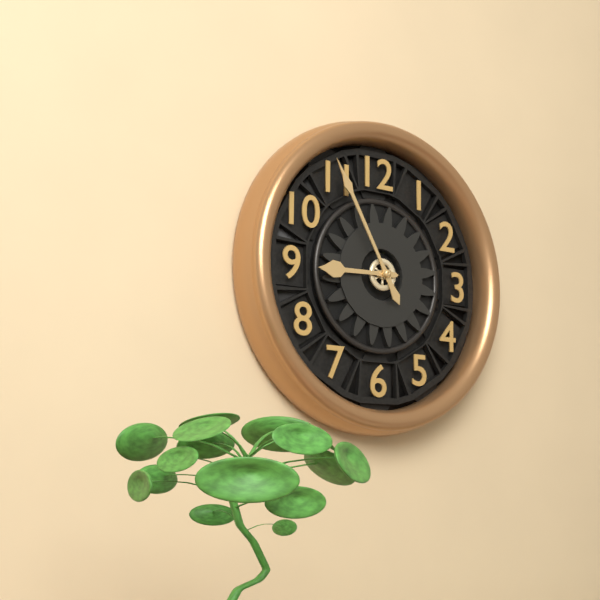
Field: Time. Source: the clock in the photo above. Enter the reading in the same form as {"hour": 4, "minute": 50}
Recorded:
{"hour": 8, "minute": 55}
